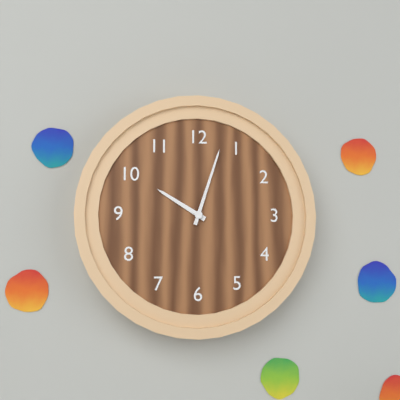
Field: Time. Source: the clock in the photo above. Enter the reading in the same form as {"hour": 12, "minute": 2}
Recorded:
{"hour": 10, "minute": 3}
